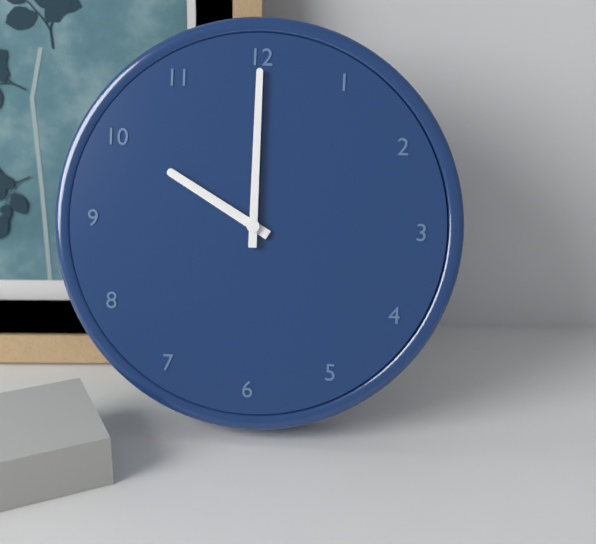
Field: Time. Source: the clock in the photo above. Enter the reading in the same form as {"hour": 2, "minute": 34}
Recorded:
{"hour": 10, "minute": 0}
